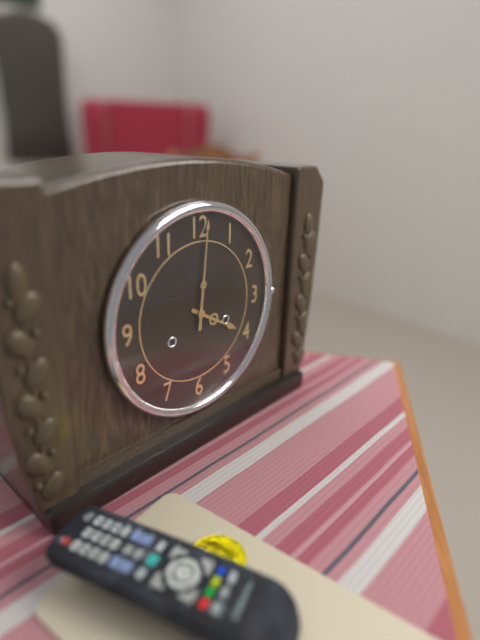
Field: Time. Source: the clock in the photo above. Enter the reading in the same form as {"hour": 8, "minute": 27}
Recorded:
{"hour": 4, "minute": 1}
